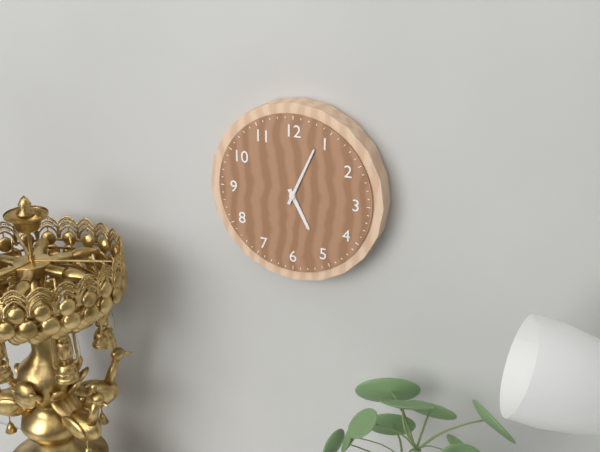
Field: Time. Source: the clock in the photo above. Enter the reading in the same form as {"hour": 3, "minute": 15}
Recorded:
{"hour": 5, "minute": 4}
